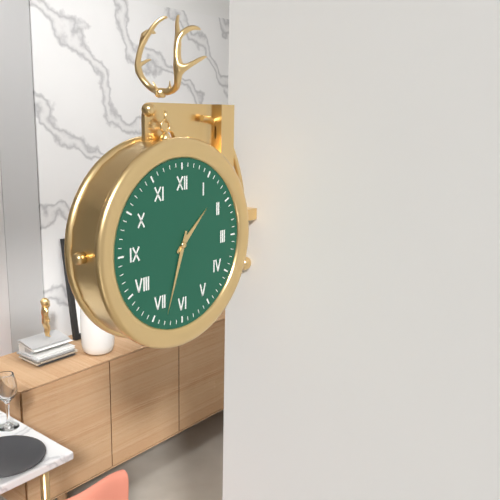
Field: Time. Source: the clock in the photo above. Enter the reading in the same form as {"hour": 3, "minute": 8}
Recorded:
{"hour": 1, "minute": 33}
